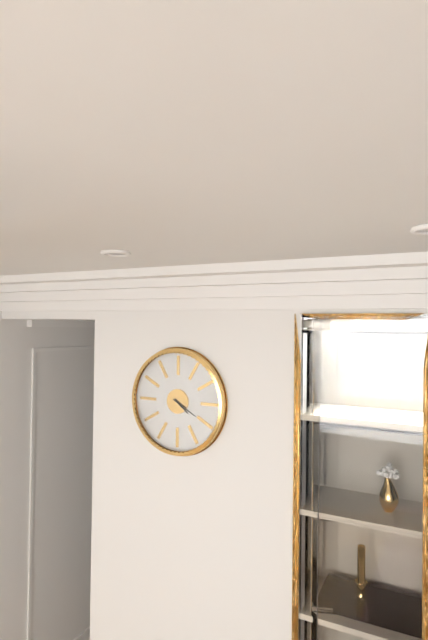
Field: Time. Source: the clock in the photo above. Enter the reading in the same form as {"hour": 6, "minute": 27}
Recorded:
{"hour": 4, "minute": 20}
